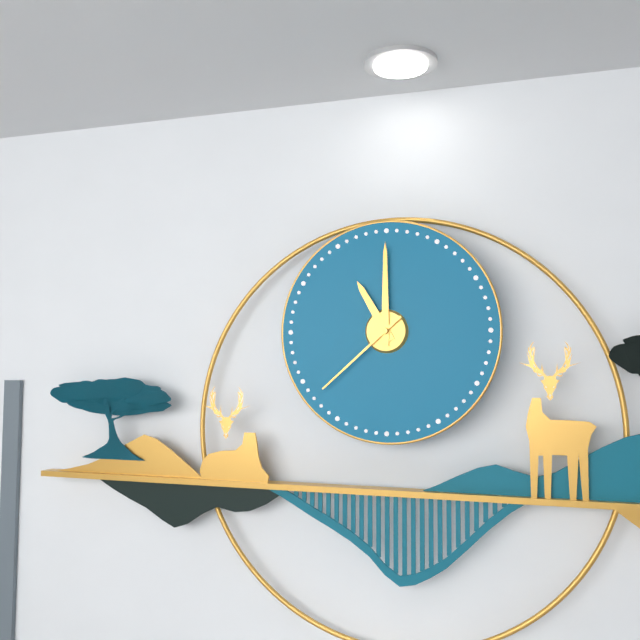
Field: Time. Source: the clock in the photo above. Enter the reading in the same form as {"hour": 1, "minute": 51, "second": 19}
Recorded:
{"hour": 11, "minute": 0, "second": 38}
